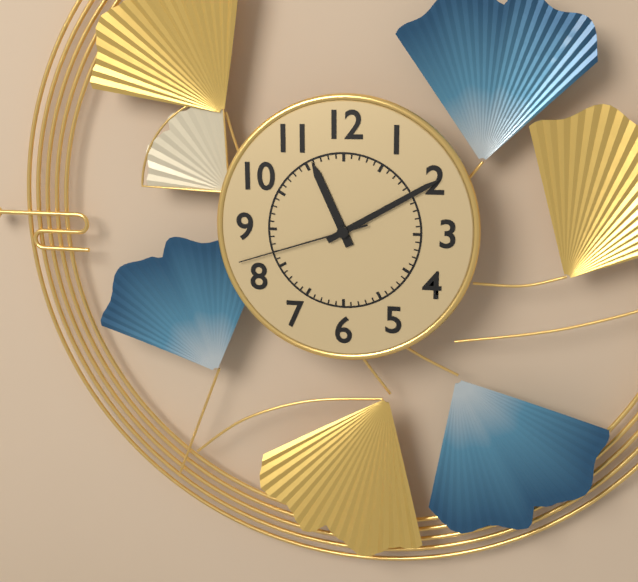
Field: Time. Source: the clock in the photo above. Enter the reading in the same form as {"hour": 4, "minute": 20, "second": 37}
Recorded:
{"hour": 11, "minute": 10, "second": 42}
